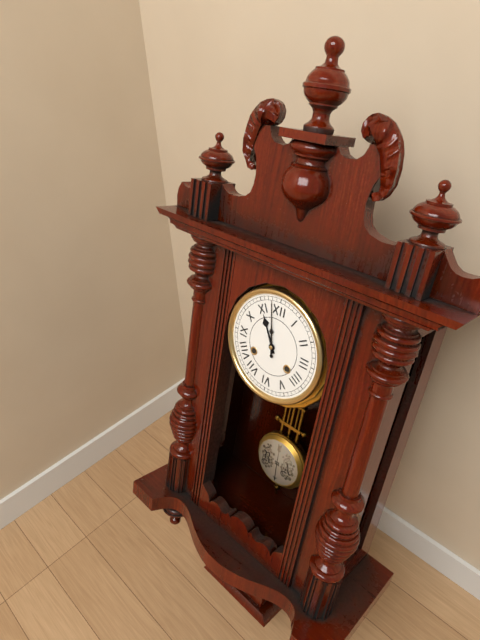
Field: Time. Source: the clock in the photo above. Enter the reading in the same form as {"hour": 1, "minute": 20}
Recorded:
{"hour": 10, "minute": 58}
